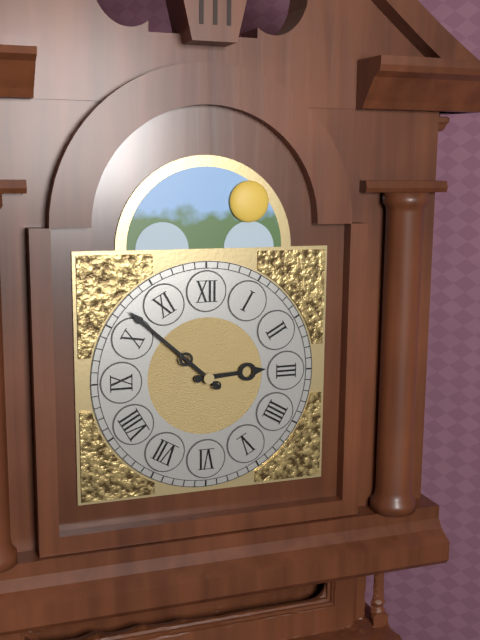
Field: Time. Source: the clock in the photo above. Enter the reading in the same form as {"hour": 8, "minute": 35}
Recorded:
{"hour": 2, "minute": 52}
